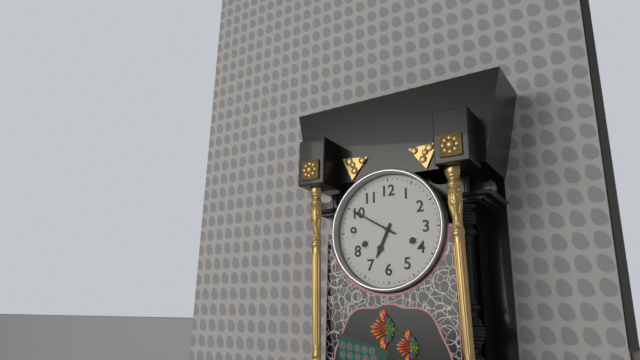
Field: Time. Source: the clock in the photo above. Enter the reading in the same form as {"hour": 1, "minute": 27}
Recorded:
{"hour": 6, "minute": 50}
